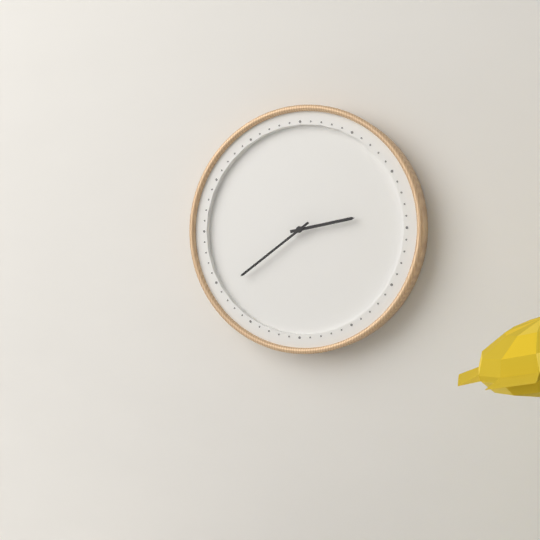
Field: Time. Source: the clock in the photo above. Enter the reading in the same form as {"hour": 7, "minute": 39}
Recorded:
{"hour": 2, "minute": 39}
